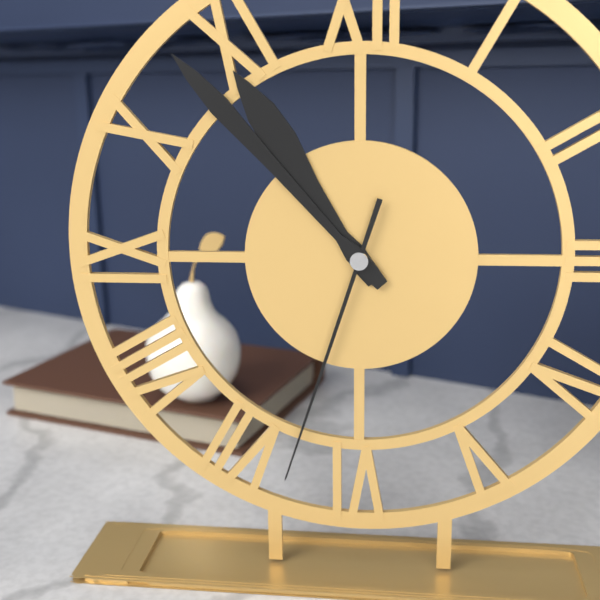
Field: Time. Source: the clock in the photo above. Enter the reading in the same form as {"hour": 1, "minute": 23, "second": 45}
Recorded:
{"hour": 10, "minute": 53, "second": 33}
